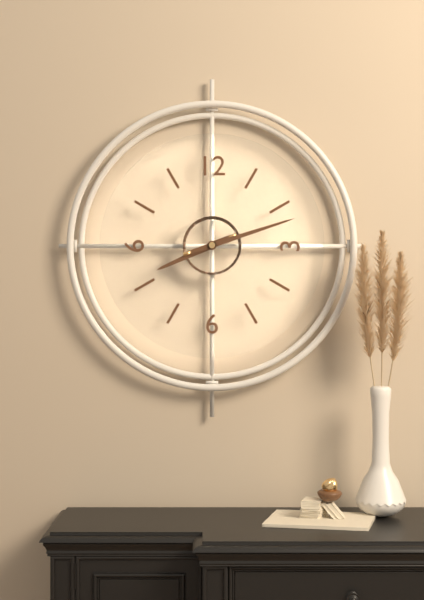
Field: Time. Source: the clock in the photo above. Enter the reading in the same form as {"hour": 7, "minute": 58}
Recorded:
{"hour": 8, "minute": 12}
